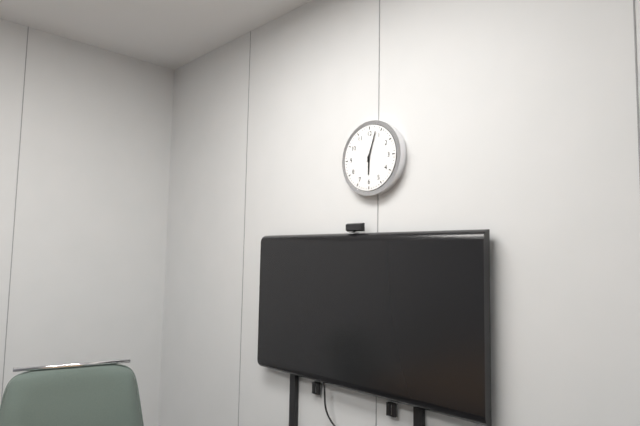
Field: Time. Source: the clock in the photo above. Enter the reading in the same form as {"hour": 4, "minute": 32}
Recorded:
{"hour": 6, "minute": 3}
